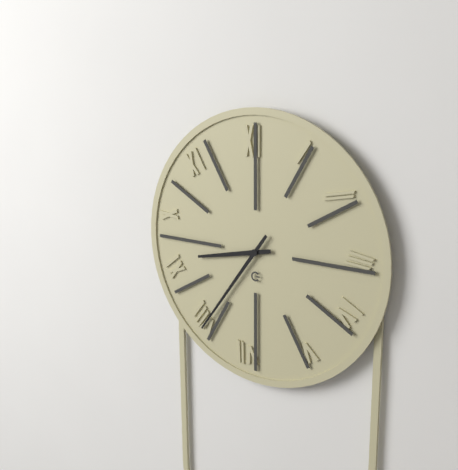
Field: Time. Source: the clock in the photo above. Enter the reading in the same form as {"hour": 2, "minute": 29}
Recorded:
{"hour": 8, "minute": 36}
